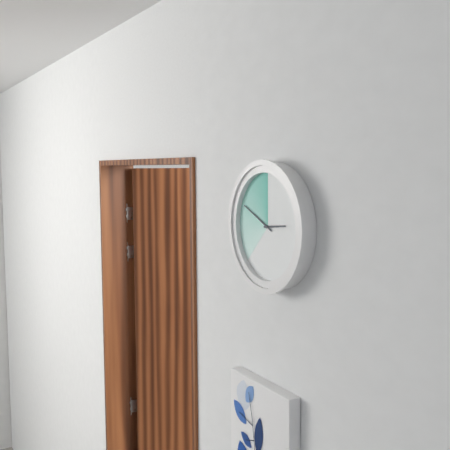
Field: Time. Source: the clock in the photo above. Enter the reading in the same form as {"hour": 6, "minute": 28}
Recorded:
{"hour": 2, "minute": 49}
